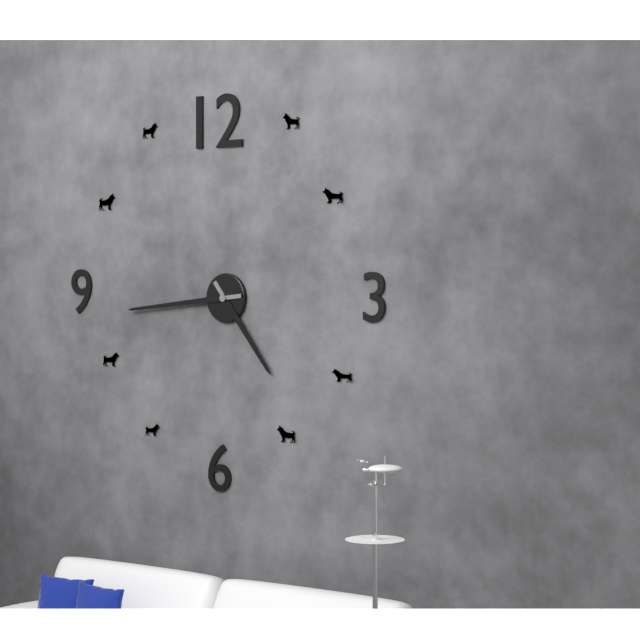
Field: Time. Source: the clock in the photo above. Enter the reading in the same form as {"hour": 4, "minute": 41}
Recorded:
{"hour": 4, "minute": 44}
